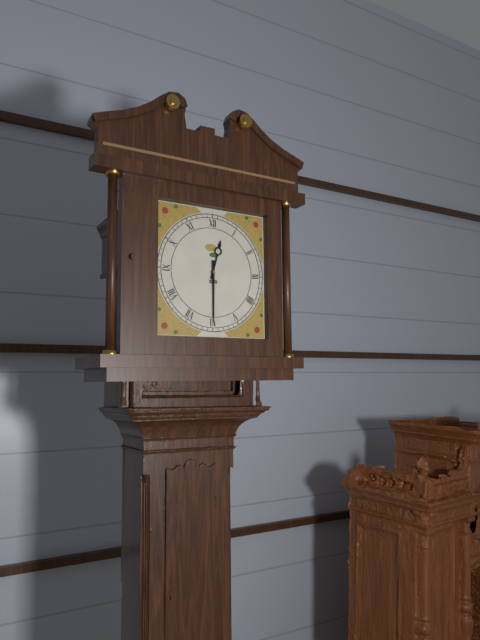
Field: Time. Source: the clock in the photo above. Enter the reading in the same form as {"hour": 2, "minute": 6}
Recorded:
{"hour": 12, "minute": 30}
